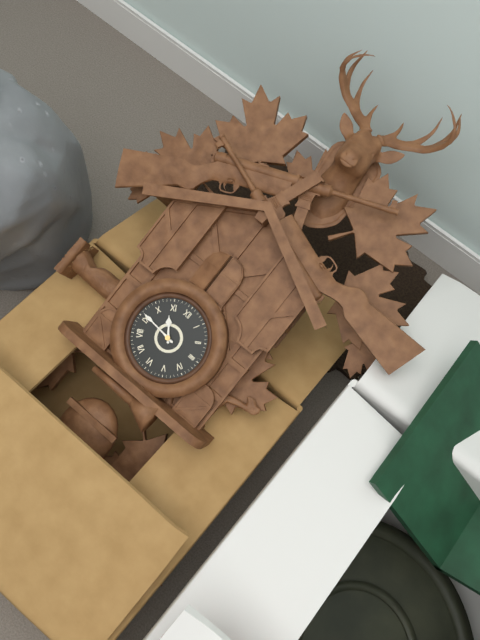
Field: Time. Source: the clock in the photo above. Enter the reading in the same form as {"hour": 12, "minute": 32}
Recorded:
{"hour": 10, "minute": 46}
